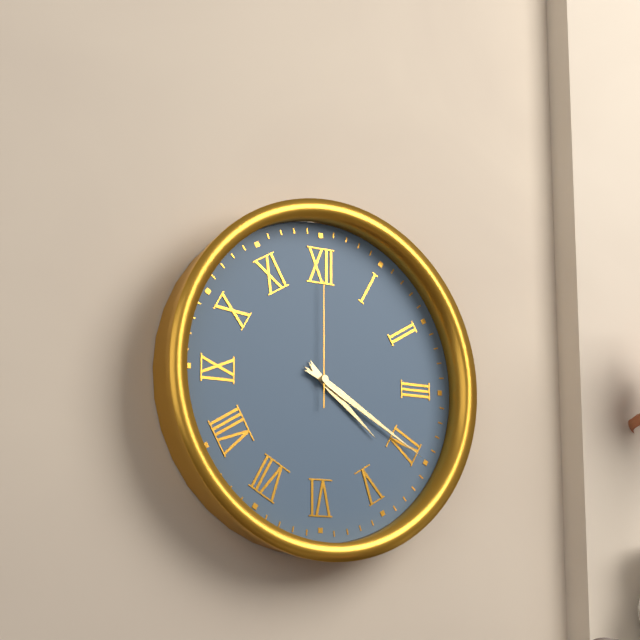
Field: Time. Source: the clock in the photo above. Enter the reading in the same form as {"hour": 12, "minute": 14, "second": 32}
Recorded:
{"hour": 4, "minute": 20, "second": 0}
